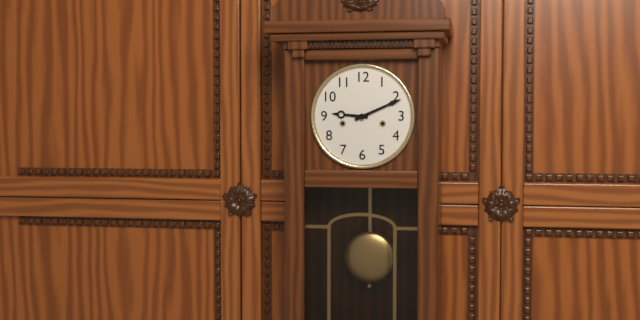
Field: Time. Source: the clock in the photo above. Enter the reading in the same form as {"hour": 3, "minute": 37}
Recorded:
{"hour": 9, "minute": 11}
